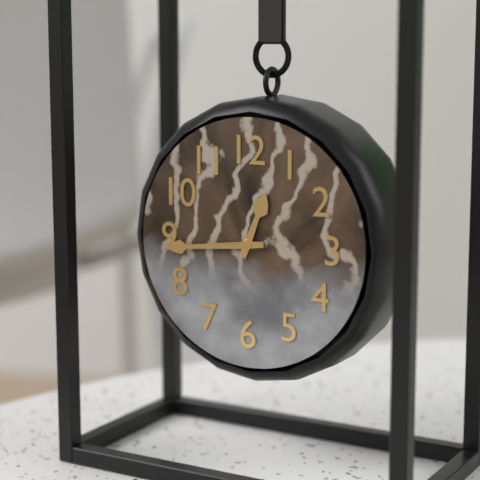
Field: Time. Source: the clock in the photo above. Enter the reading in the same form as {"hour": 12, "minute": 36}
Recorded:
{"hour": 12, "minute": 44}
